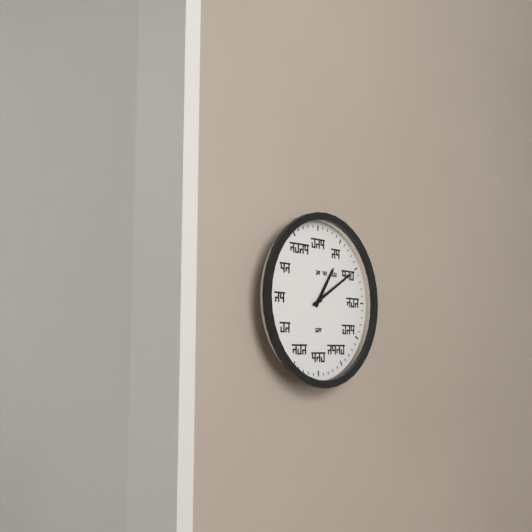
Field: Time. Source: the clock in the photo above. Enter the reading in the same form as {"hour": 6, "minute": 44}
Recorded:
{"hour": 1, "minute": 10}
